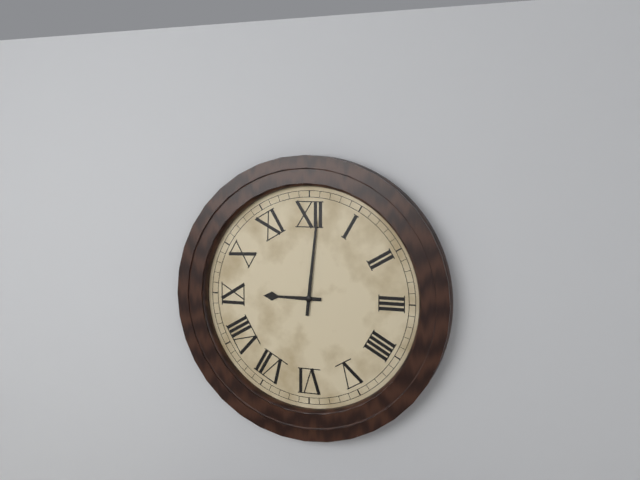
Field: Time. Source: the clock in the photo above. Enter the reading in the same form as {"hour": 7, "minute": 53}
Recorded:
{"hour": 9, "minute": 1}
